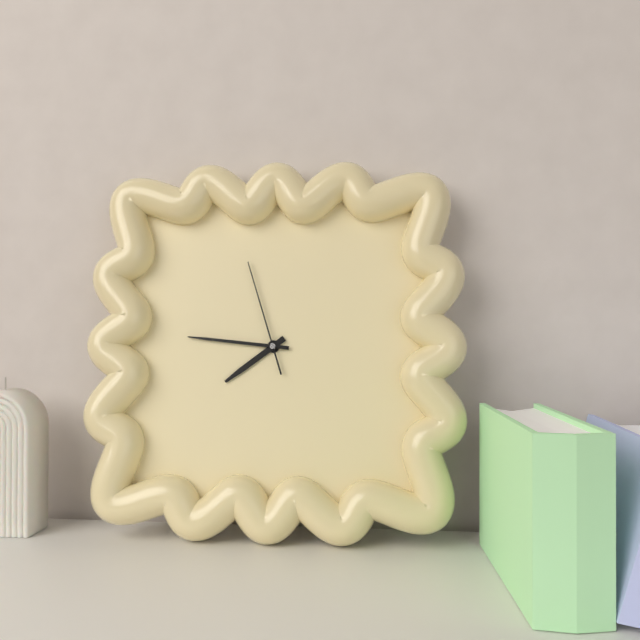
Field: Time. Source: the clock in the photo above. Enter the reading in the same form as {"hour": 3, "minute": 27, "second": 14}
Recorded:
{"hour": 7, "minute": 46, "second": 57}
